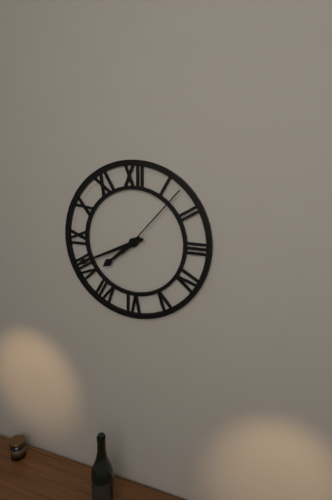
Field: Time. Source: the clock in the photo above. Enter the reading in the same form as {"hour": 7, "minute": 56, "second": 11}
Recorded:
{"hour": 7, "minute": 41, "second": 7}
